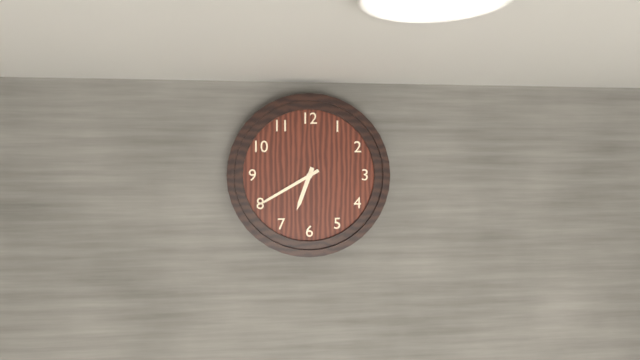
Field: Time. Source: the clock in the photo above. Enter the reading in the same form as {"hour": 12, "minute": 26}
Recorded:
{"hour": 6, "minute": 40}
